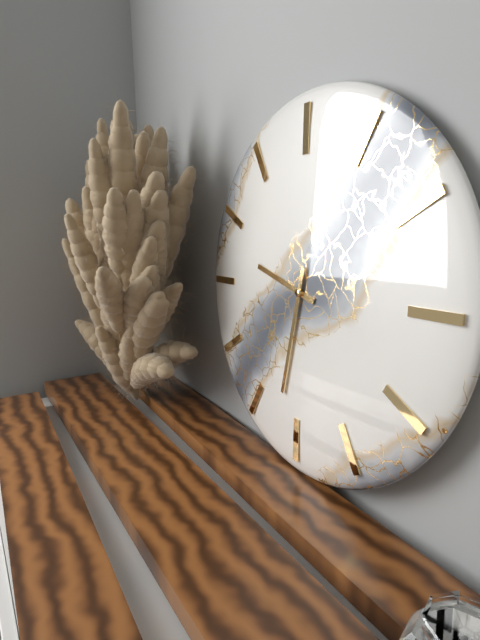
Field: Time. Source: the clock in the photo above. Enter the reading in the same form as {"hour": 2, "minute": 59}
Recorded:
{"hour": 9, "minute": 32}
